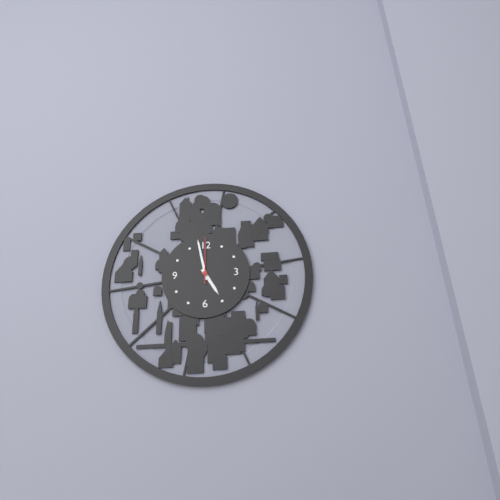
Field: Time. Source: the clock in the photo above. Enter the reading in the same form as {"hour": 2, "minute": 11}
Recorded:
{"hour": 4, "minute": 58}
